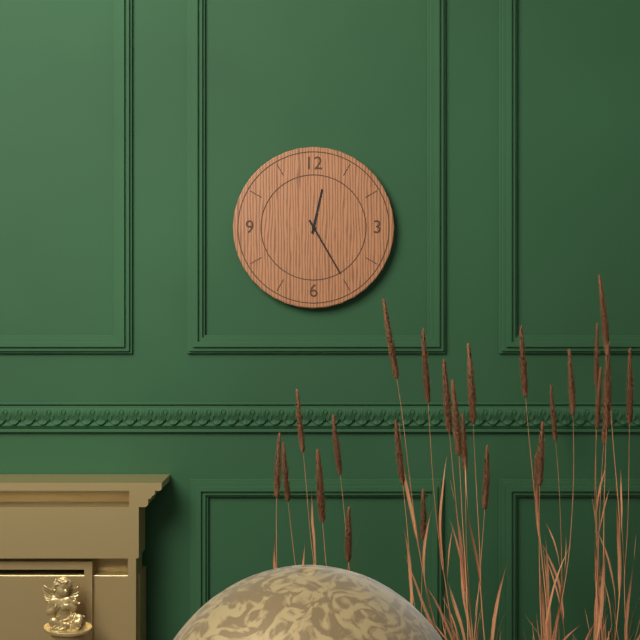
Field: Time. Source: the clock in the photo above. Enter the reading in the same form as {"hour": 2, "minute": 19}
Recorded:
{"hour": 12, "minute": 25}
